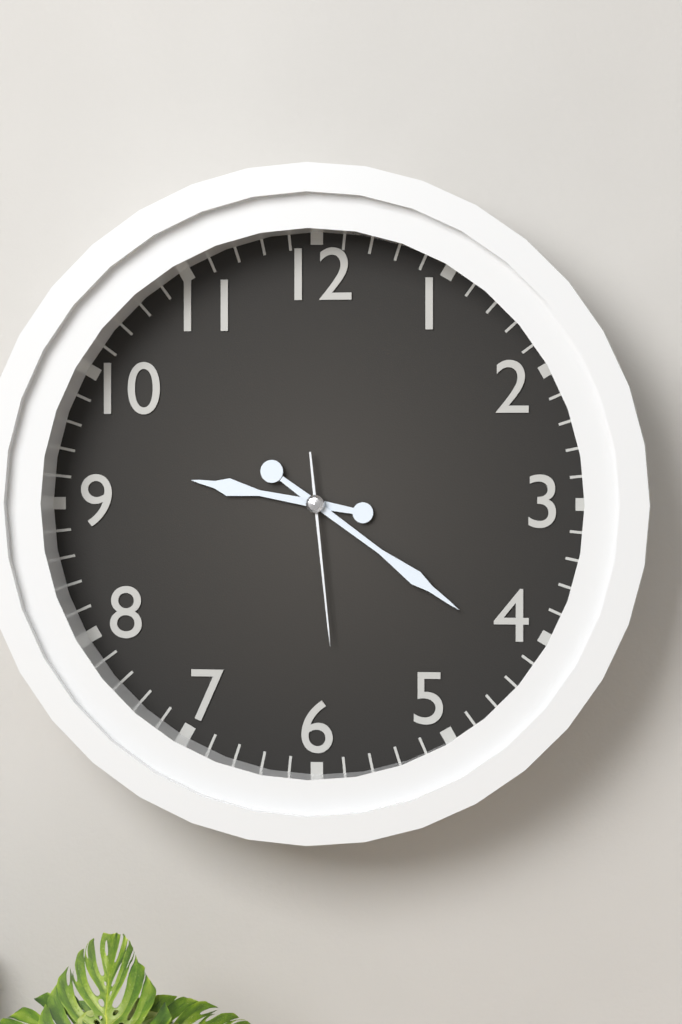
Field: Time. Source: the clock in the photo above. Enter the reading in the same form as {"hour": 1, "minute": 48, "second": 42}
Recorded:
{"hour": 9, "minute": 21, "second": 29}
